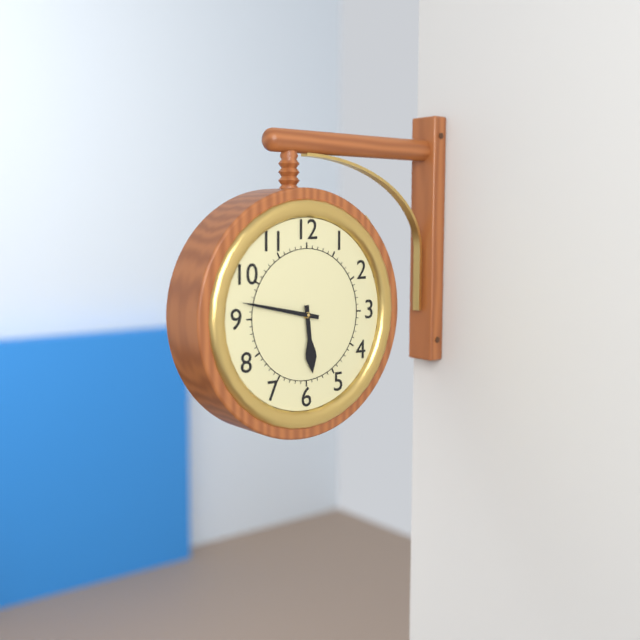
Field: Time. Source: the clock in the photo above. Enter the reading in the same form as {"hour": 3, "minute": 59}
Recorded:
{"hour": 5, "minute": 47}
